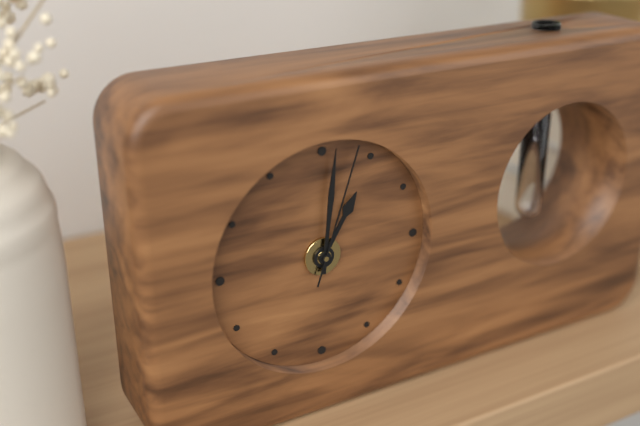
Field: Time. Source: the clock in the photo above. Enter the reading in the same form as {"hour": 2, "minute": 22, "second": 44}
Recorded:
{"hour": 1, "minute": 1, "second": 3}
